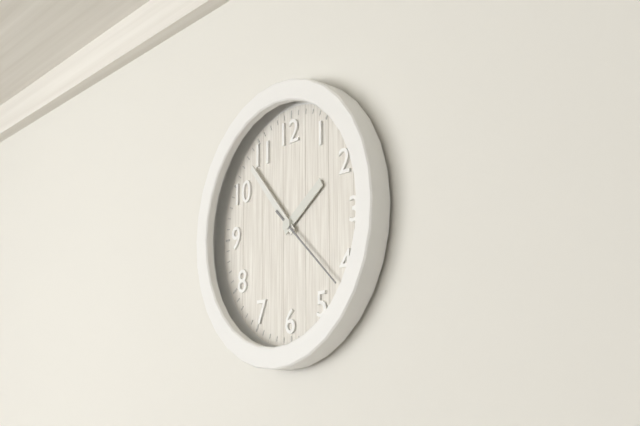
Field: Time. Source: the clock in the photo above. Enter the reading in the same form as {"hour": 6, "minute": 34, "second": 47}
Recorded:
{"hour": 1, "minute": 53, "second": 22}
